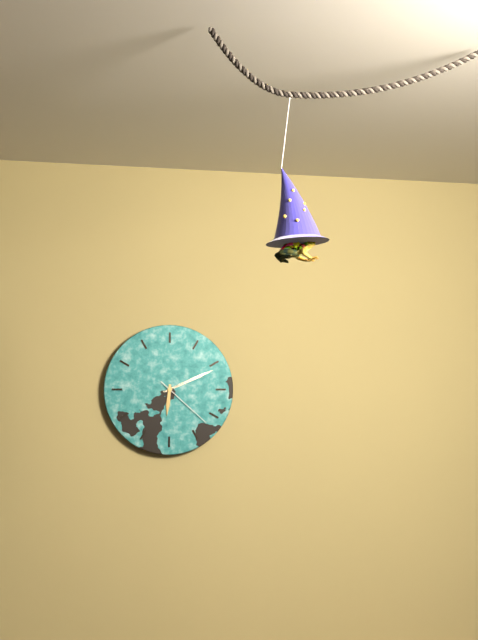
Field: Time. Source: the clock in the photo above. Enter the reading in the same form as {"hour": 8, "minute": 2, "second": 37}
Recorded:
{"hour": 6, "minute": 11, "second": 22}
